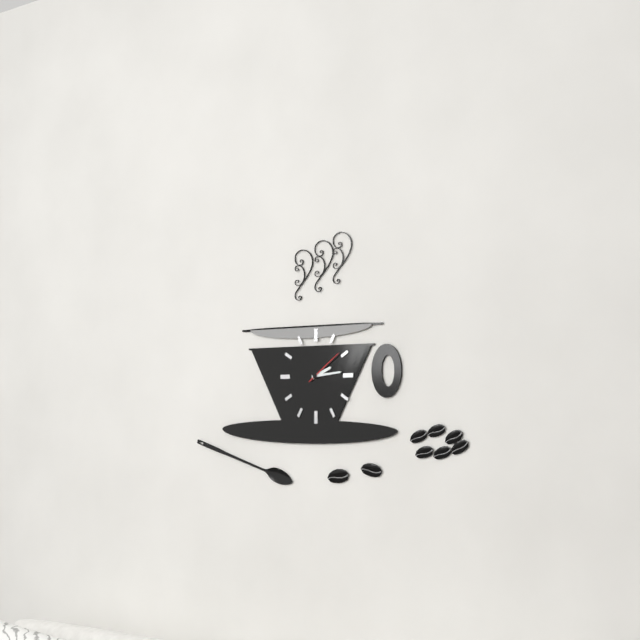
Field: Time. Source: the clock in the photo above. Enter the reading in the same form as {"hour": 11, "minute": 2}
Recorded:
{"hour": 2, "minute": 14}
